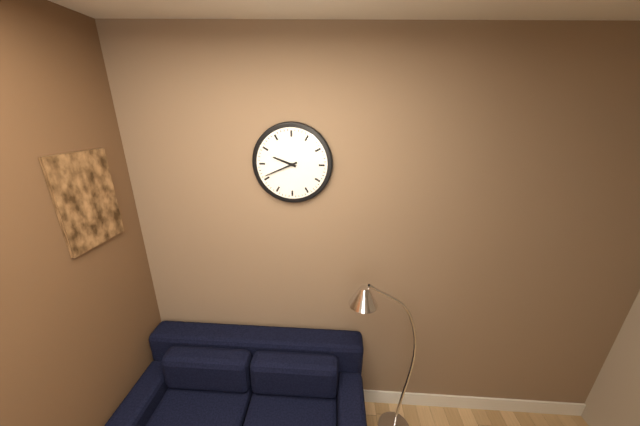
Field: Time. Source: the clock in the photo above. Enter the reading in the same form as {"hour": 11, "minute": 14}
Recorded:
{"hour": 9, "minute": 41}
